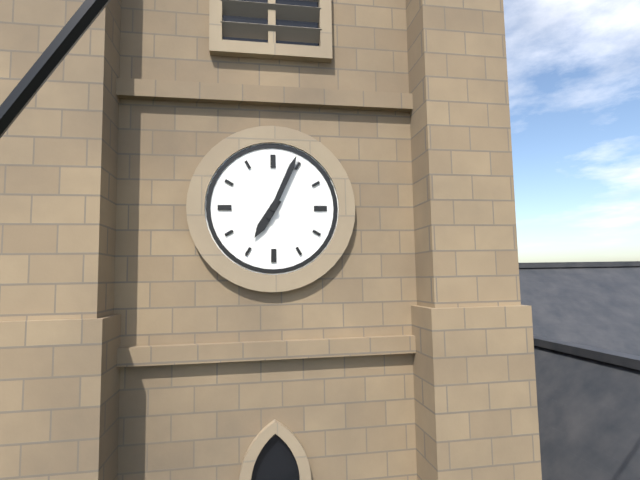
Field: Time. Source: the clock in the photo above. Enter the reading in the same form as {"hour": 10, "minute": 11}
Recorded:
{"hour": 7, "minute": 4}
